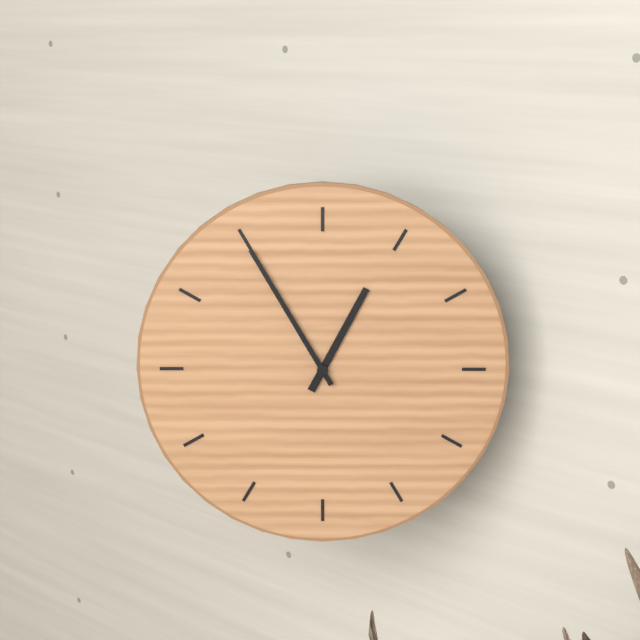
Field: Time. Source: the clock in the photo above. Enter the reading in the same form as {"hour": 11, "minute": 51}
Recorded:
{"hour": 12, "minute": 55}
